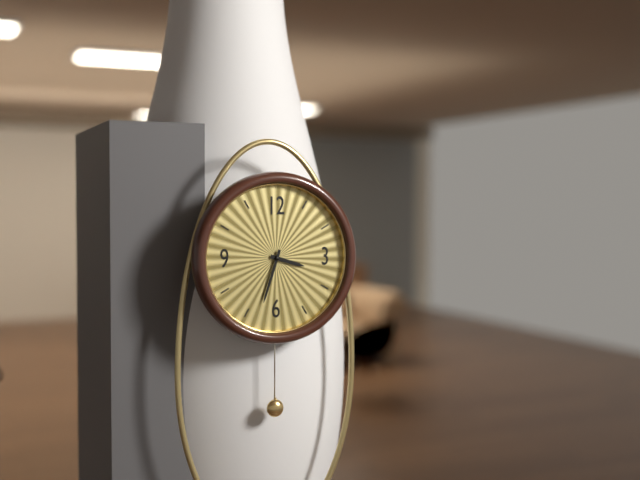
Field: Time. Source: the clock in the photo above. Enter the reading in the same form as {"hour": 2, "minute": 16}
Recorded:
{"hour": 3, "minute": 33}
